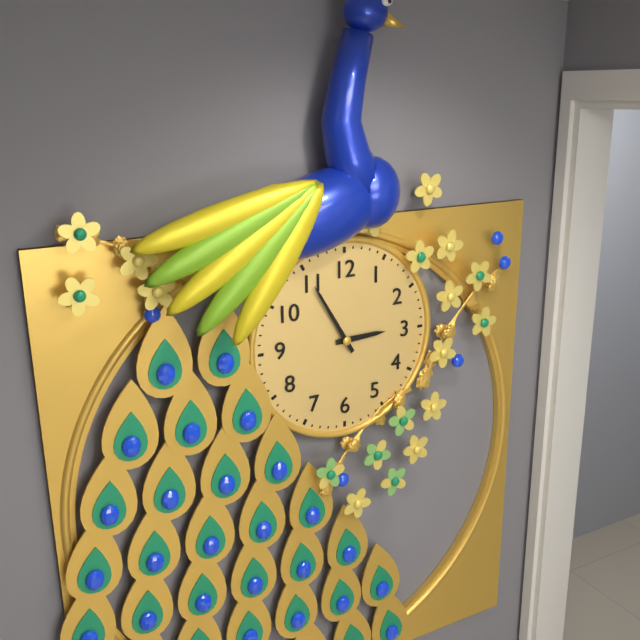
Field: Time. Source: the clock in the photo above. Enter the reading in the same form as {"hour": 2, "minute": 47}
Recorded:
{"hour": 2, "minute": 55}
